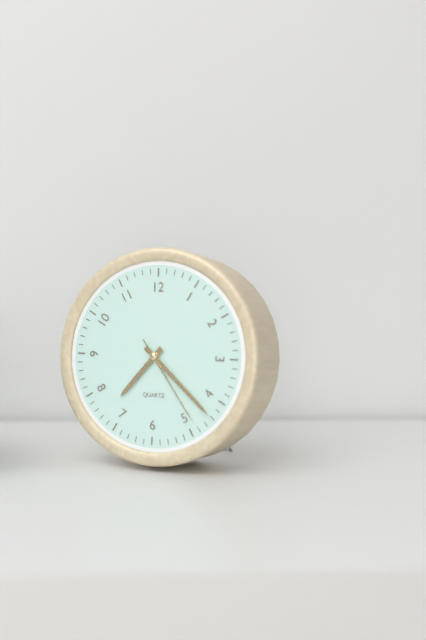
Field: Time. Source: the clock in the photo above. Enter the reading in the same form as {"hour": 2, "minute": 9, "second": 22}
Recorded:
{"hour": 7, "minute": 22, "second": 24}
